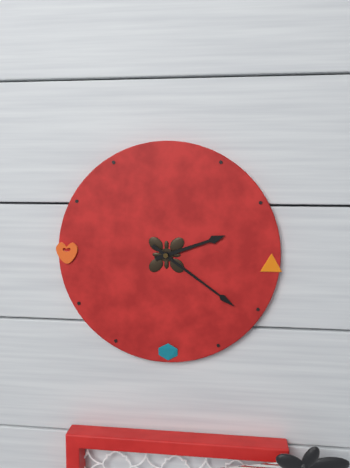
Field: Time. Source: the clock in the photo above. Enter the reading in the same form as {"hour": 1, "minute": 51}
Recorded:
{"hour": 2, "minute": 21}
